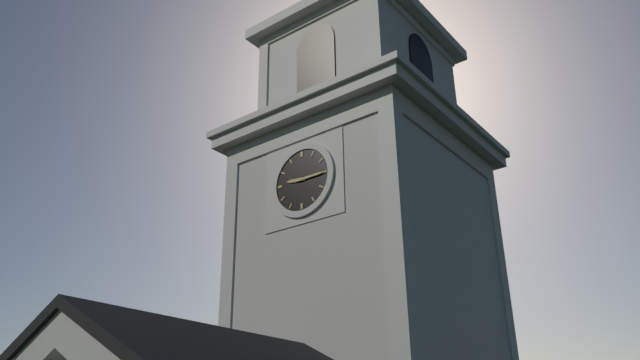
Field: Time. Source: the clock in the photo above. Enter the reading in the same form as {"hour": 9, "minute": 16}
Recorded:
{"hour": 9, "minute": 15}
